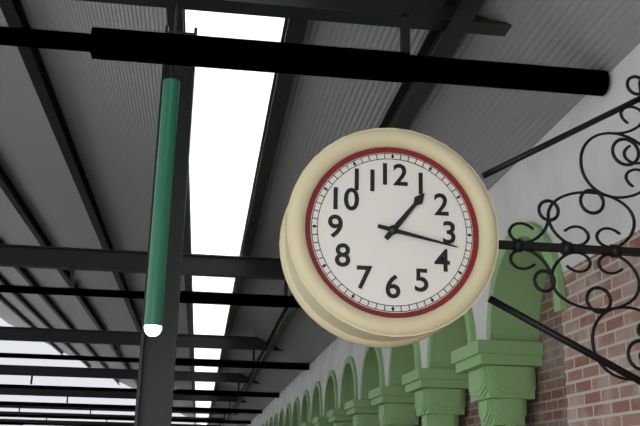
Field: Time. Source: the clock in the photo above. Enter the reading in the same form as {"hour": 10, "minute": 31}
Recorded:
{"hour": 1, "minute": 17}
